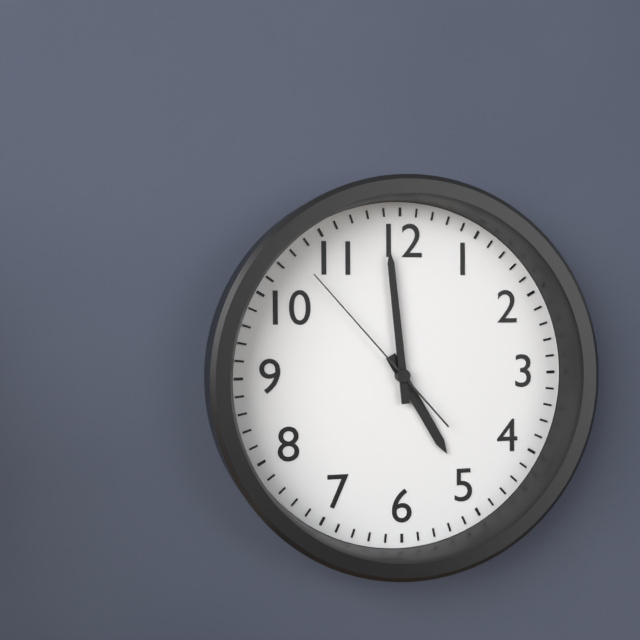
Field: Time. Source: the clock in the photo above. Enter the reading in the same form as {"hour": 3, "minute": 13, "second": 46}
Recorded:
{"hour": 4, "minute": 59, "second": 53}
